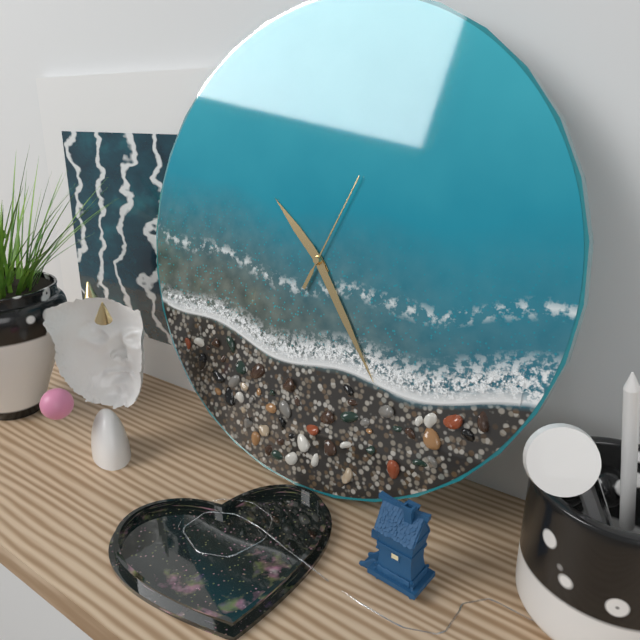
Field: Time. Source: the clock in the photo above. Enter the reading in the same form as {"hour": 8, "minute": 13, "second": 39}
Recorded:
{"hour": 10, "minute": 24, "second": 4}
